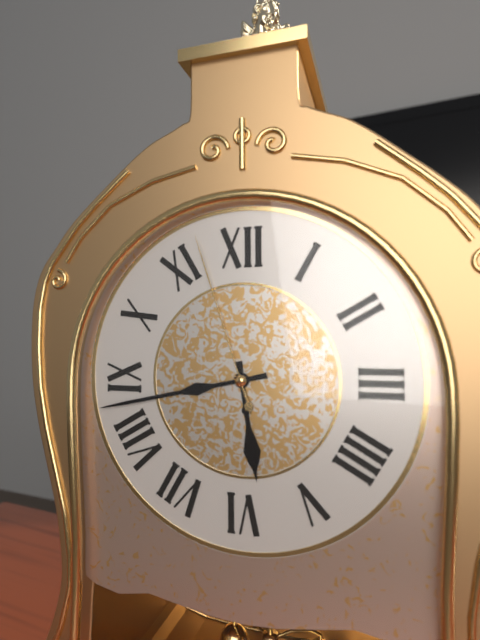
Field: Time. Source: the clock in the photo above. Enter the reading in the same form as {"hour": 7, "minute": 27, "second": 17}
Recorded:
{"hour": 5, "minute": 43, "second": 57}
